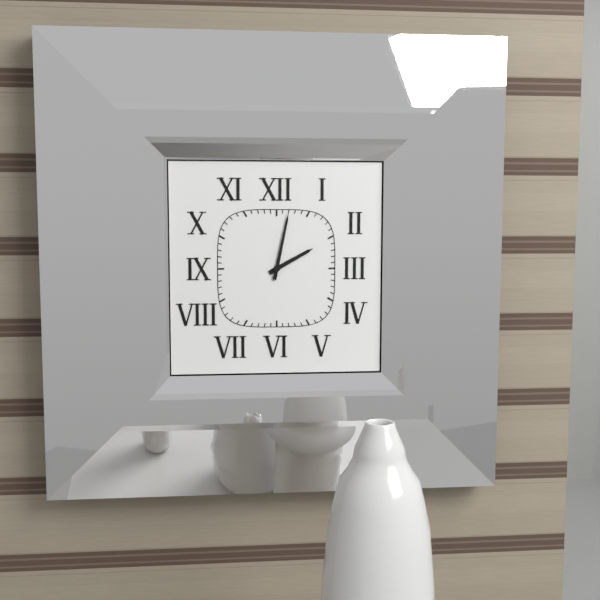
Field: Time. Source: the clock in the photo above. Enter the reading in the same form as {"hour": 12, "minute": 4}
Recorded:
{"hour": 2, "minute": 2}
